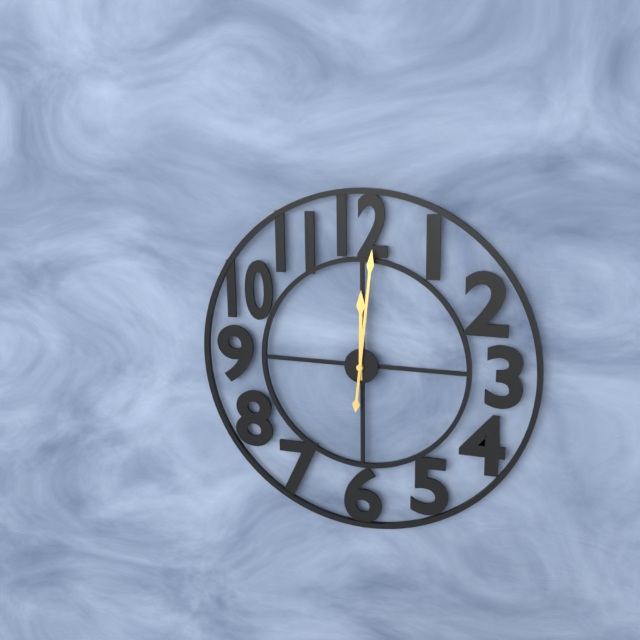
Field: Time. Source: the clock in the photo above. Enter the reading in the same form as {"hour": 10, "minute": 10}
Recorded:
{"hour": 12, "minute": 1}
